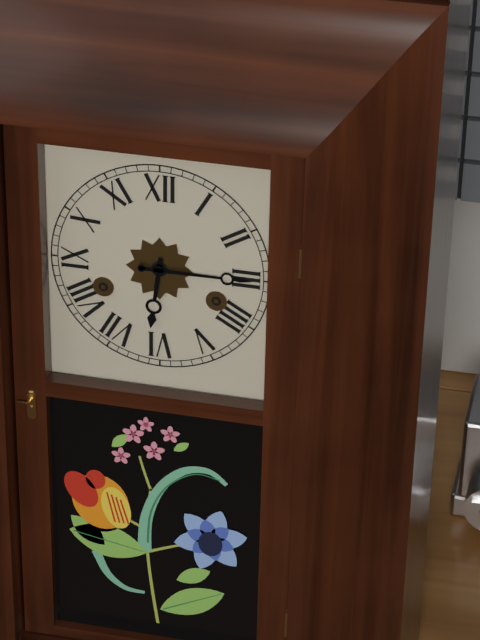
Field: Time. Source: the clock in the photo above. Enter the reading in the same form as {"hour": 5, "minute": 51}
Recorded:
{"hour": 6, "minute": 15}
